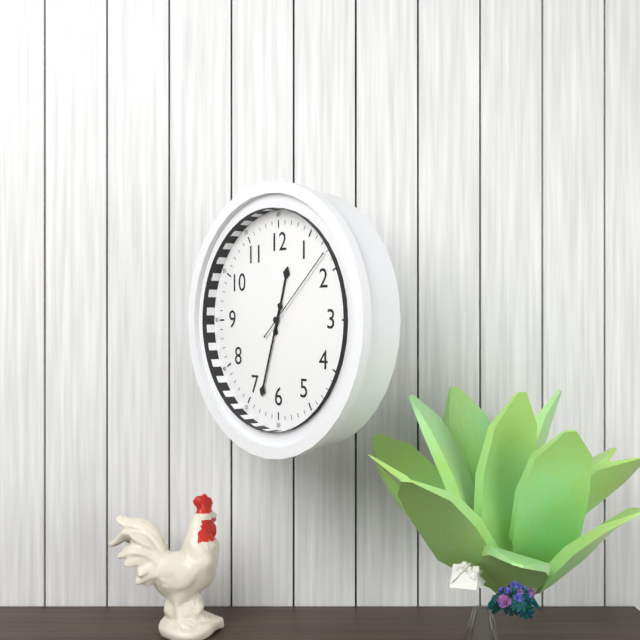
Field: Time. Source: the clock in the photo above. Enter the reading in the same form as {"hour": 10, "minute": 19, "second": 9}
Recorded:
{"hour": 12, "minute": 33, "second": 8}
